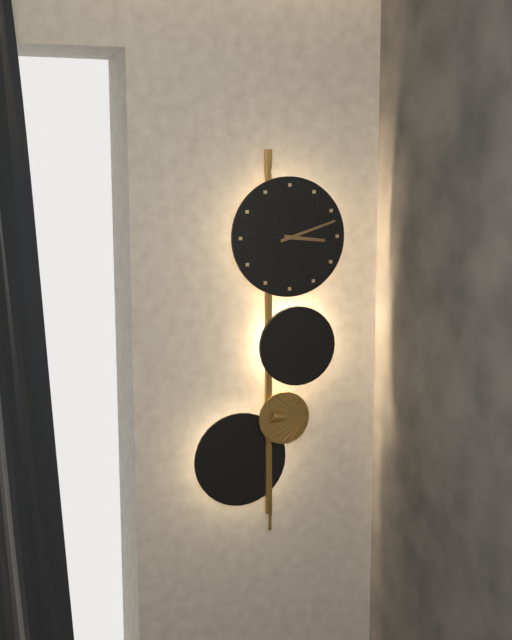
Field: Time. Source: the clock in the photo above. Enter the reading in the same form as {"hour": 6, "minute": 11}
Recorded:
{"hour": 3, "minute": 12}
